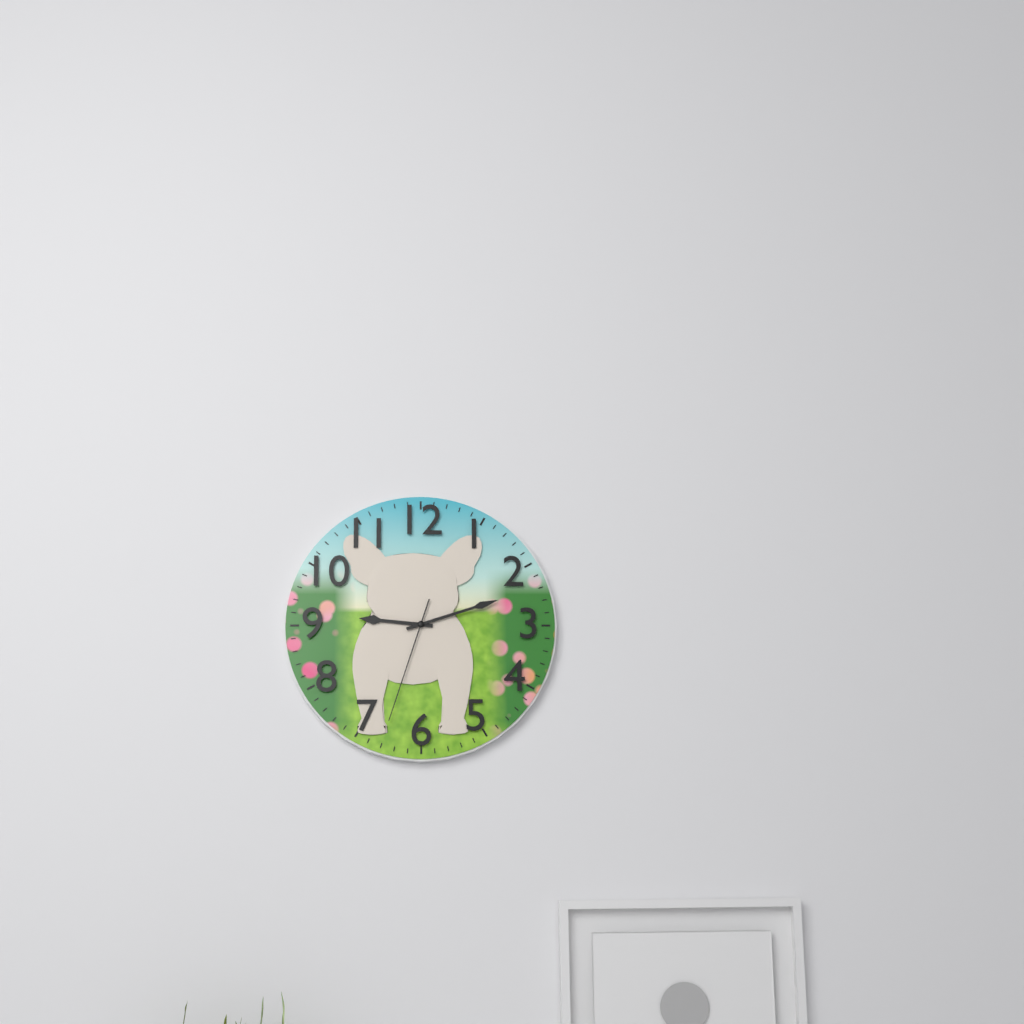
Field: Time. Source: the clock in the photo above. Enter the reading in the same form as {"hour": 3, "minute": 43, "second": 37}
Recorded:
{"hour": 9, "minute": 12, "second": 33}
